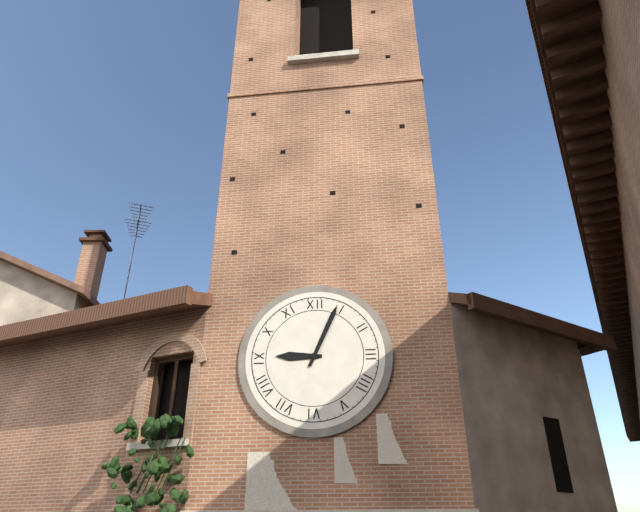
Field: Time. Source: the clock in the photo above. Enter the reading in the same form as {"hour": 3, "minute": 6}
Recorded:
{"hour": 9, "minute": 4}
